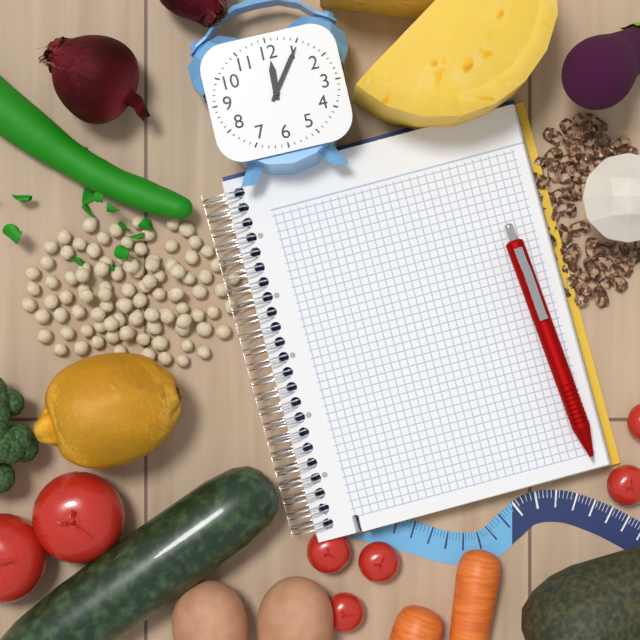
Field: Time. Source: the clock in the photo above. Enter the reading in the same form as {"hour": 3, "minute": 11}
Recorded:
{"hour": 12, "minute": 6}
